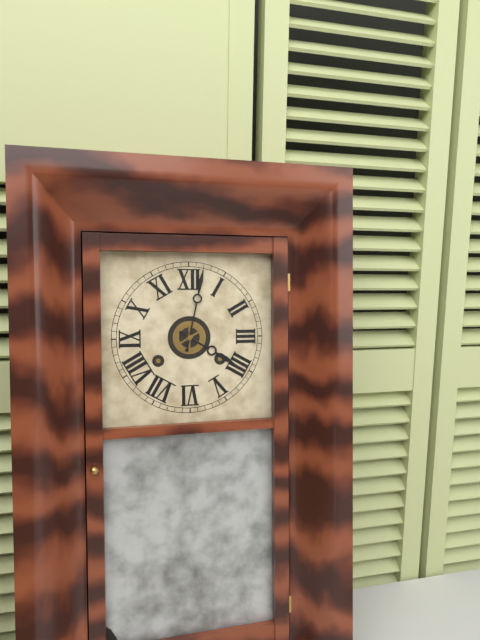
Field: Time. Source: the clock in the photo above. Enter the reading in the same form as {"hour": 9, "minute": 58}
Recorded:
{"hour": 4, "minute": 2}
